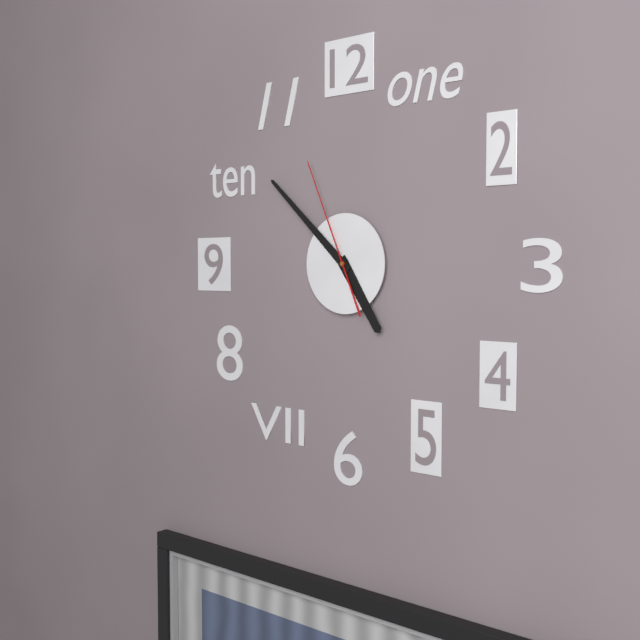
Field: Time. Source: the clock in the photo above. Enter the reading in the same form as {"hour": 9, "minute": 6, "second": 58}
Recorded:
{"hour": 4, "minute": 52, "second": 56}
